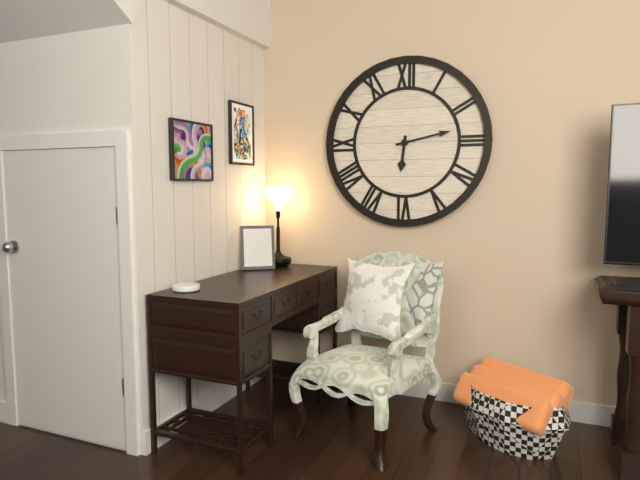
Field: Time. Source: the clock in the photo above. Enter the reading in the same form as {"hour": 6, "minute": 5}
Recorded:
{"hour": 6, "minute": 13}
